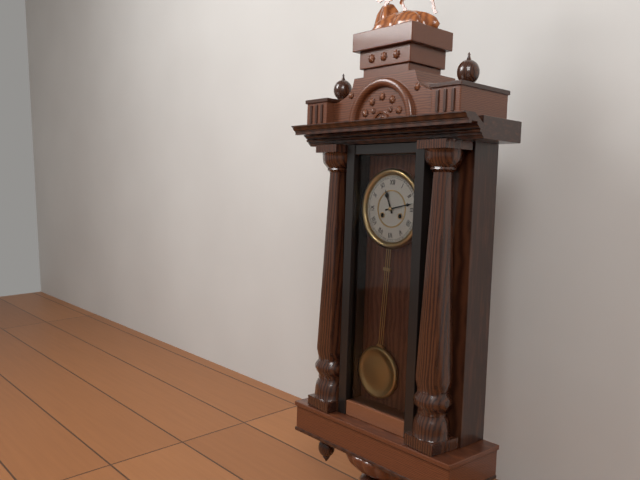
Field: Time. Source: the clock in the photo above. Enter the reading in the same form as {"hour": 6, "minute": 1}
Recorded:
{"hour": 11, "minute": 13}
